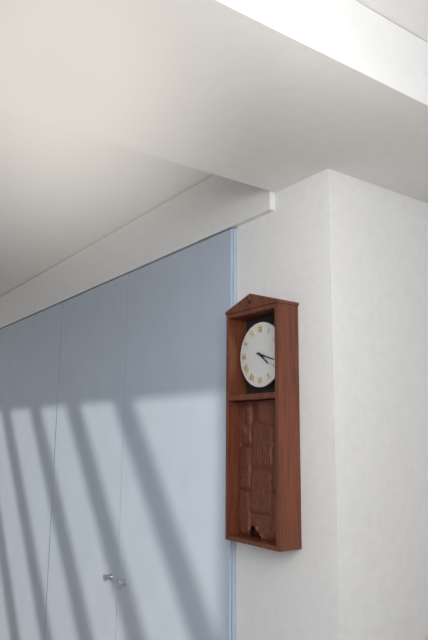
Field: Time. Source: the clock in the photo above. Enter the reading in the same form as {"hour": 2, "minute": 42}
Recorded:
{"hour": 4, "minute": 18}
